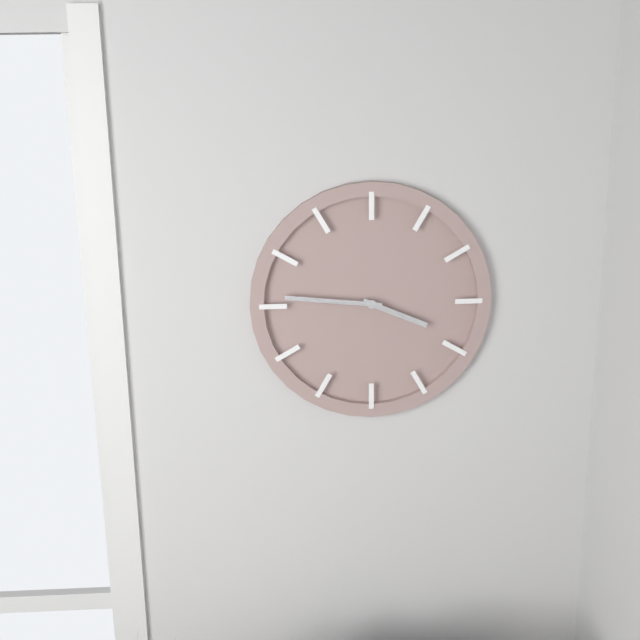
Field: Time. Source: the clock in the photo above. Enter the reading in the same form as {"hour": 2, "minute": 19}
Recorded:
{"hour": 3, "minute": 46}
